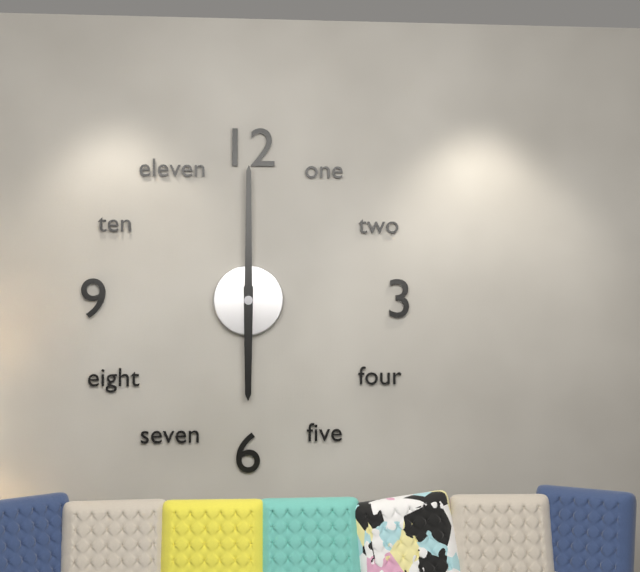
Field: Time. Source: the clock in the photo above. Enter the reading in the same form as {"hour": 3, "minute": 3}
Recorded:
{"hour": 6, "minute": 0}
